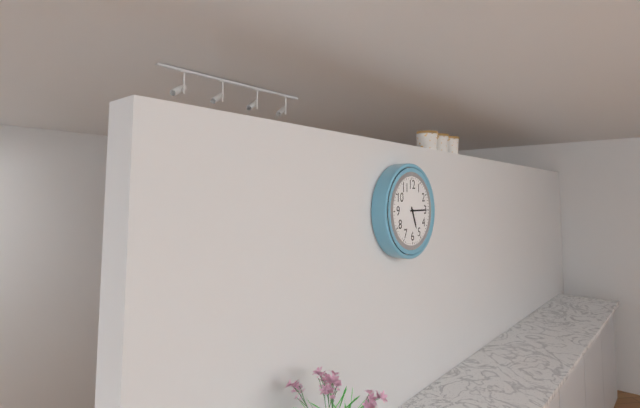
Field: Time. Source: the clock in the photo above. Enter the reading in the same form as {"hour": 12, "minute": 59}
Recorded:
{"hour": 5, "minute": 15}
